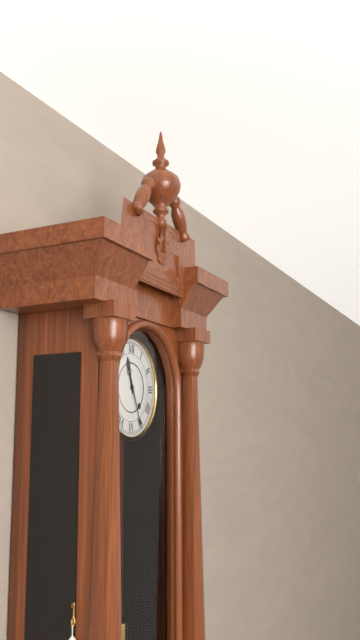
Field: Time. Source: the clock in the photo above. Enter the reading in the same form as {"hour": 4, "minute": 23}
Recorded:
{"hour": 11, "minute": 26}
